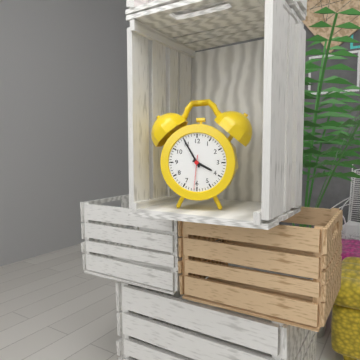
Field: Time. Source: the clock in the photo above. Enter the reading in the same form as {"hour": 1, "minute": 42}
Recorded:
{"hour": 3, "minute": 55}
